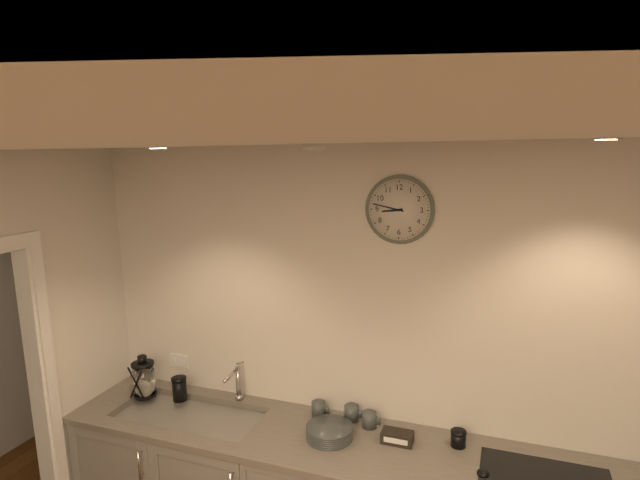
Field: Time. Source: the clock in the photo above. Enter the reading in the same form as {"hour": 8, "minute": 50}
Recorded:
{"hour": 8, "minute": 47}
